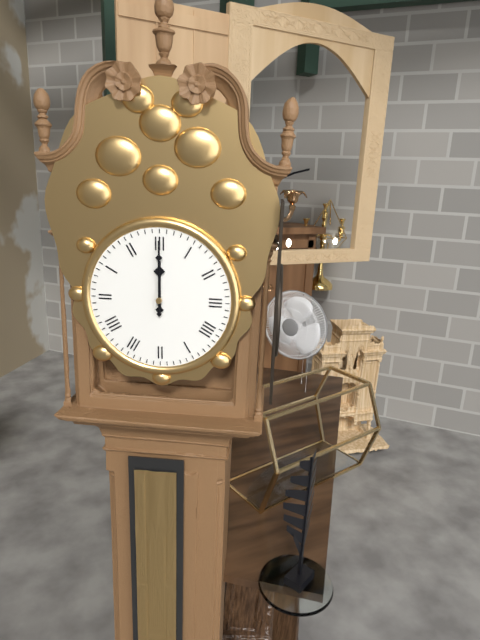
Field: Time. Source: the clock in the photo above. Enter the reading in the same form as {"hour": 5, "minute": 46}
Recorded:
{"hour": 12, "minute": 0}
